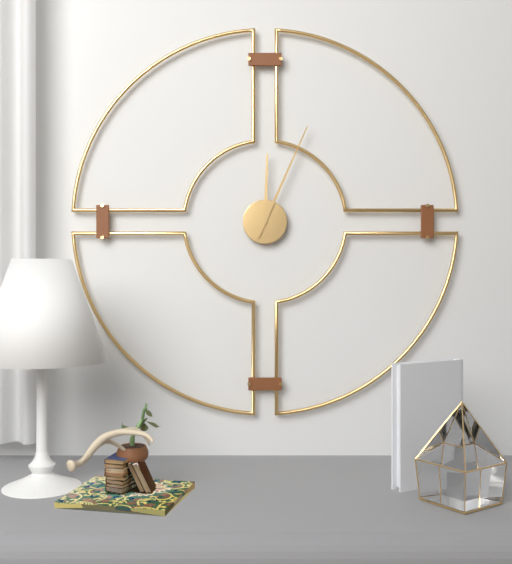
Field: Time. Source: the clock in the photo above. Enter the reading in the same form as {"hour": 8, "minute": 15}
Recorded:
{"hour": 12, "minute": 4}
